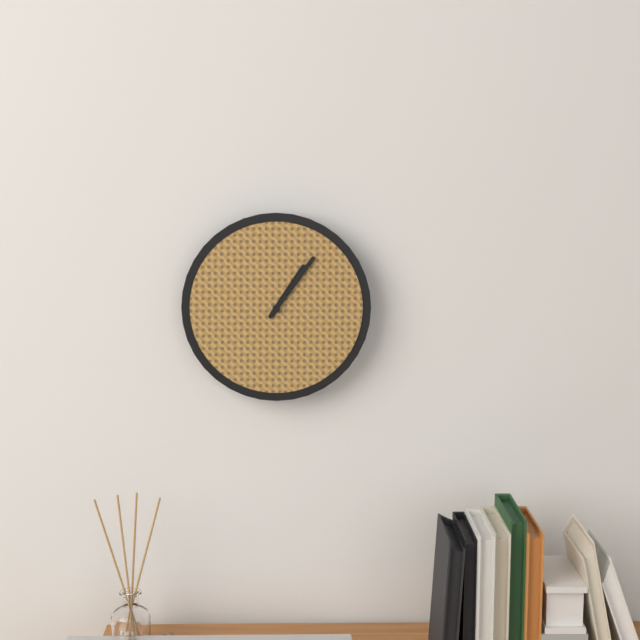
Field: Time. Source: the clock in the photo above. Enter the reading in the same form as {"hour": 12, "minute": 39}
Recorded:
{"hour": 1, "minute": 6}
